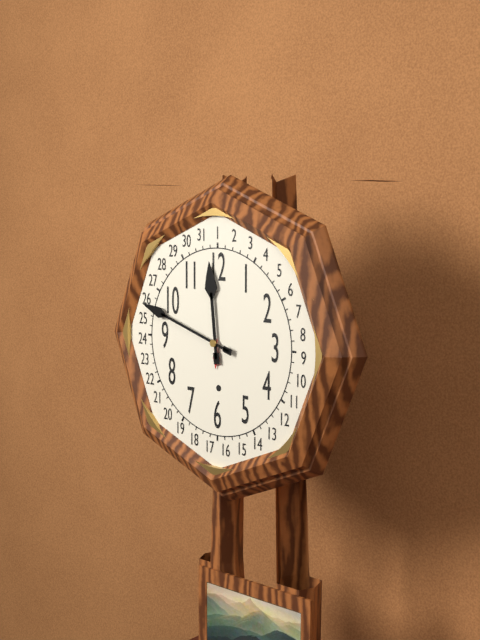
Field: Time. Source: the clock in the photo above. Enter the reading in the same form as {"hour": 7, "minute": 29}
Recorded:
{"hour": 11, "minute": 48}
